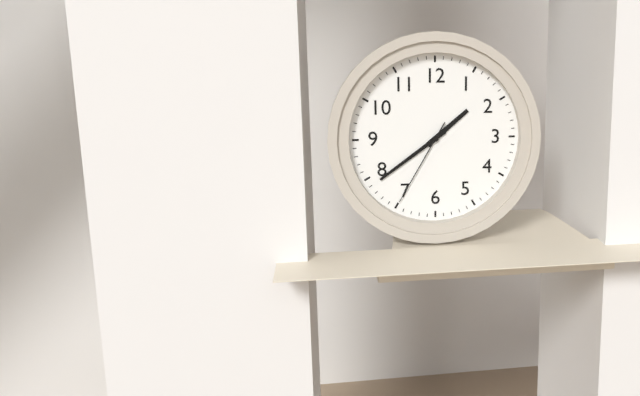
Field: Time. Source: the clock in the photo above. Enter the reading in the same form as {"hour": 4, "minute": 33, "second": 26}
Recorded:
{"hour": 1, "minute": 39, "second": 35}
